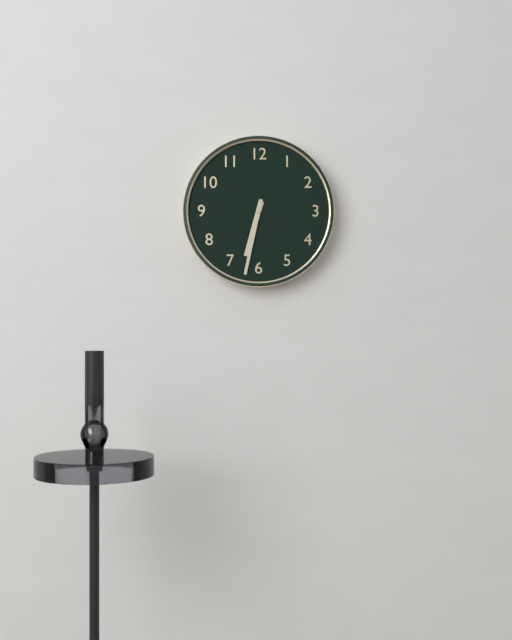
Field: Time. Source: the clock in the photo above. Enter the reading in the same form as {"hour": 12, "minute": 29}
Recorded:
{"hour": 6, "minute": 32}
